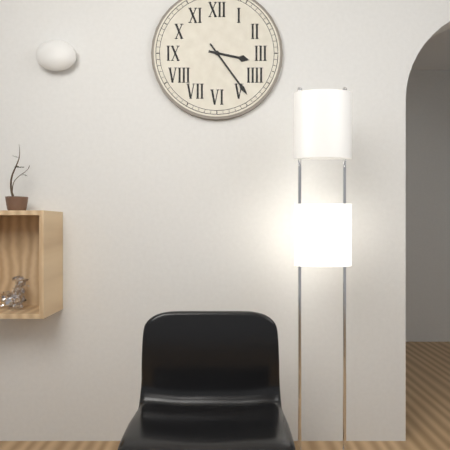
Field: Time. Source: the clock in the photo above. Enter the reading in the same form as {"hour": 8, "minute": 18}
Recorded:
{"hour": 3, "minute": 24}
